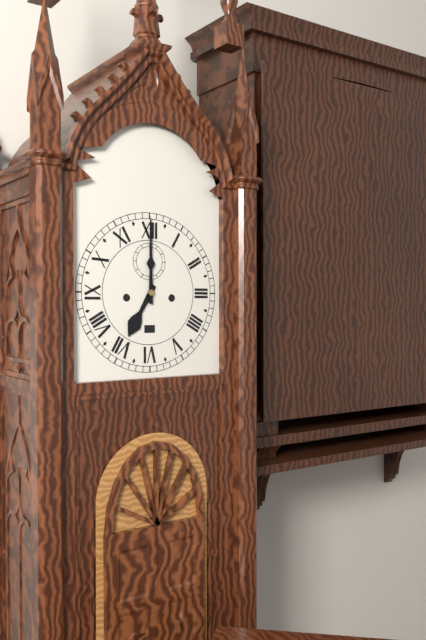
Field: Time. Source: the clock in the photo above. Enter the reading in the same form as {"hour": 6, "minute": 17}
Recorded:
{"hour": 7, "minute": 0}
